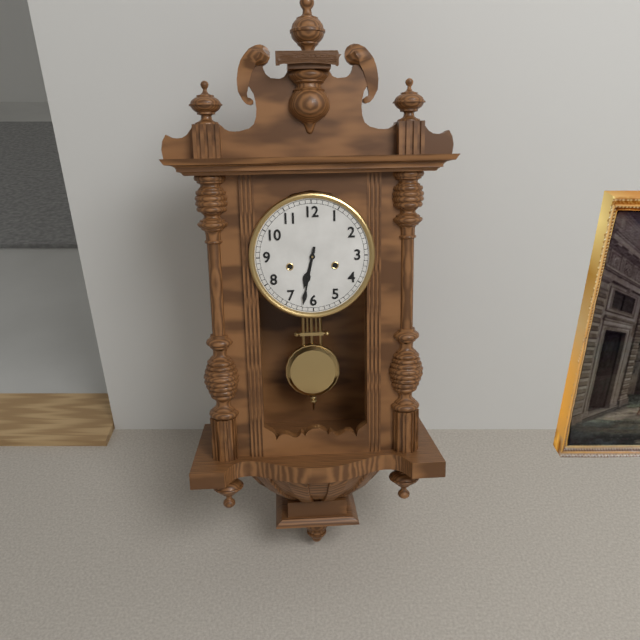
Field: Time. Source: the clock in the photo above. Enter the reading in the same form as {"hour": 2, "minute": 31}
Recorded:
{"hour": 6, "minute": 32}
